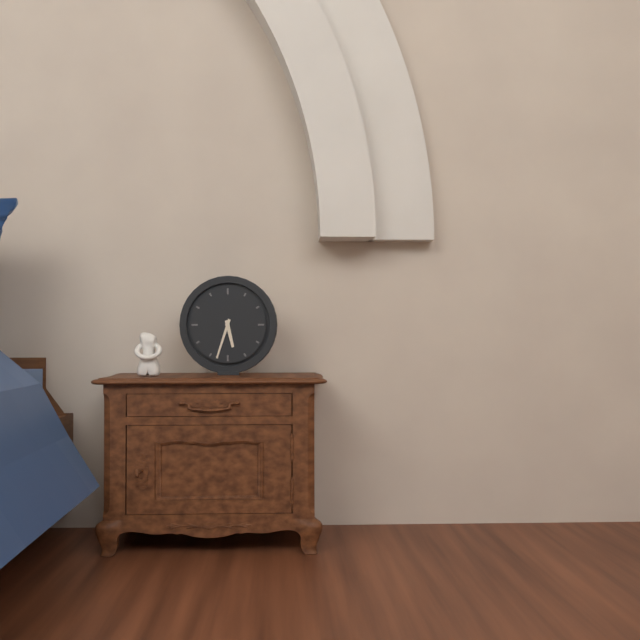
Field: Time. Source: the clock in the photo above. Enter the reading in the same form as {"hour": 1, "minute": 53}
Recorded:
{"hour": 5, "minute": 33}
